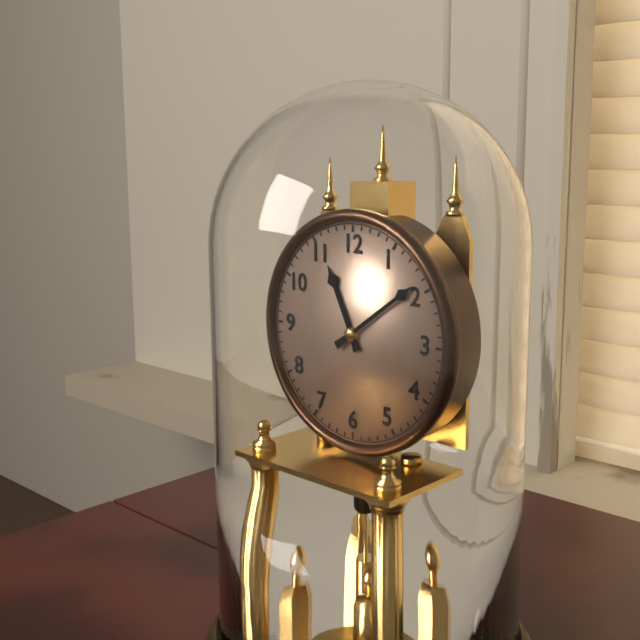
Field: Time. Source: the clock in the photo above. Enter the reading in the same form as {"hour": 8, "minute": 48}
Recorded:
{"hour": 11, "minute": 9}
